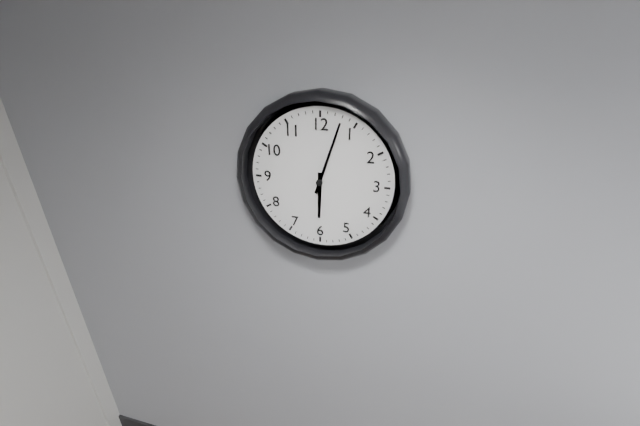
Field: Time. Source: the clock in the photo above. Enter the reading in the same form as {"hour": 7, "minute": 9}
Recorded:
{"hour": 6, "minute": 3}
